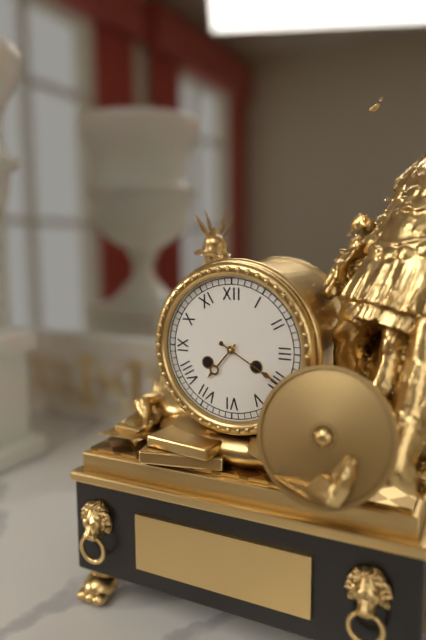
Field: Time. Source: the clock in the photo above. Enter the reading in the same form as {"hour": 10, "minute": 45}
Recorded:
{"hour": 7, "minute": 20}
